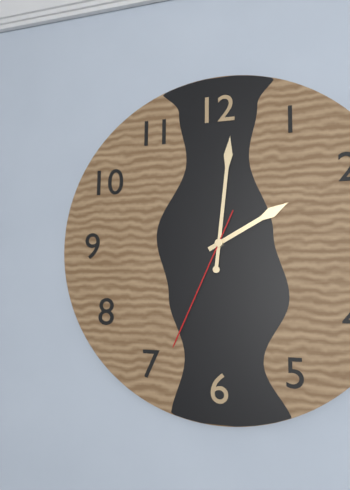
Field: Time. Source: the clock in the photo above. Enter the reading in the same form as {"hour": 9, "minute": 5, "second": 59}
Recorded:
{"hour": 2, "minute": 1, "second": 34}
